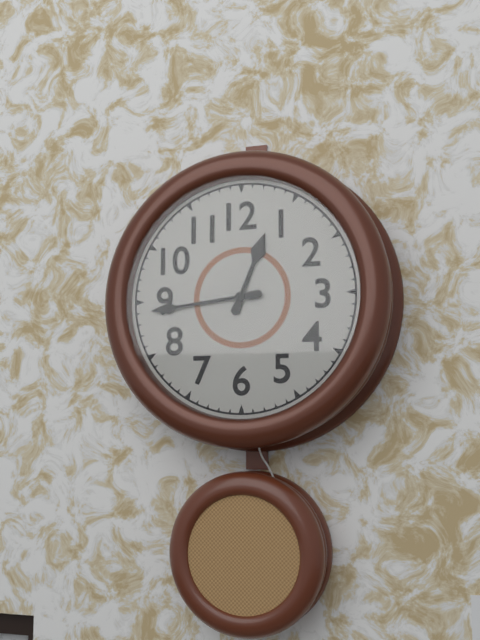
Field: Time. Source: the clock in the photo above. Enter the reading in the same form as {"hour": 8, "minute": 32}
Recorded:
{"hour": 12, "minute": 44}
